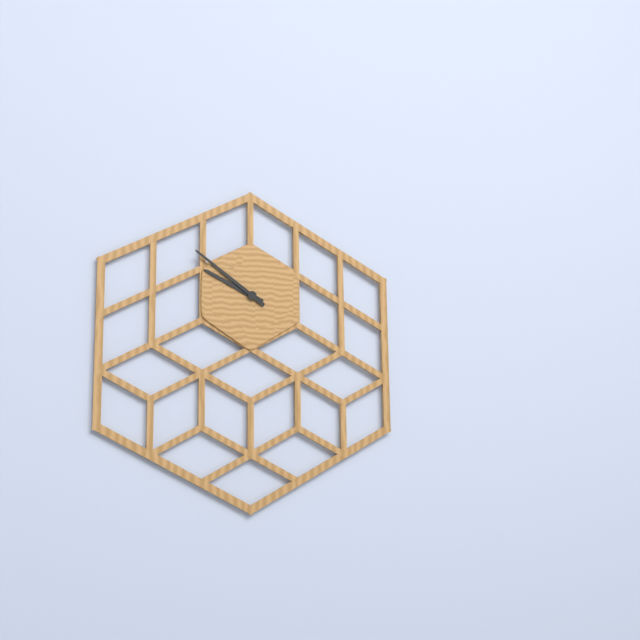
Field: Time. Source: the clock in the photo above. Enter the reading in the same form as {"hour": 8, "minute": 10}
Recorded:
{"hour": 9, "minute": 51}
